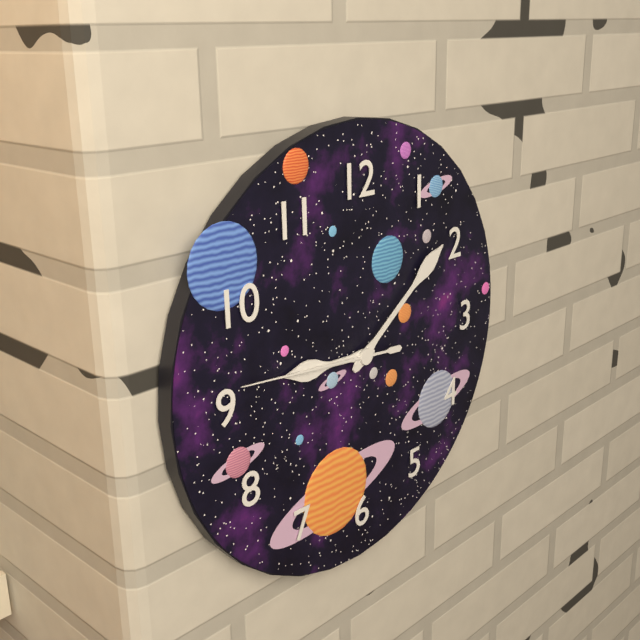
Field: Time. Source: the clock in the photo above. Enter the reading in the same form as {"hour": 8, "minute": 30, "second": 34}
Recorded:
{"hour": 9, "minute": 9, "second": 46}
